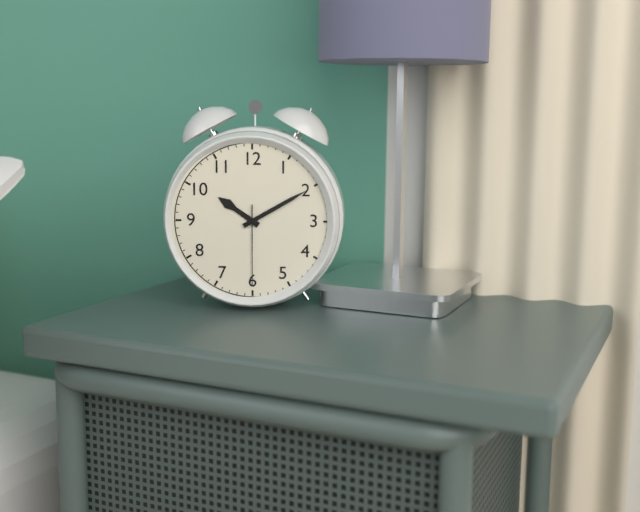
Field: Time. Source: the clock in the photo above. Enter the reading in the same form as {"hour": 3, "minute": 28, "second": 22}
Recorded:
{"hour": 10, "minute": 10, "second": 30}
